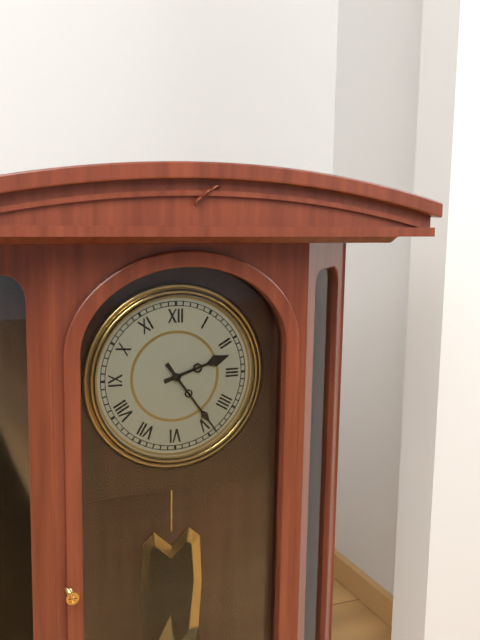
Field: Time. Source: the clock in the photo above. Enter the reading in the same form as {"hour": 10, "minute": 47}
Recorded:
{"hour": 2, "minute": 24}
